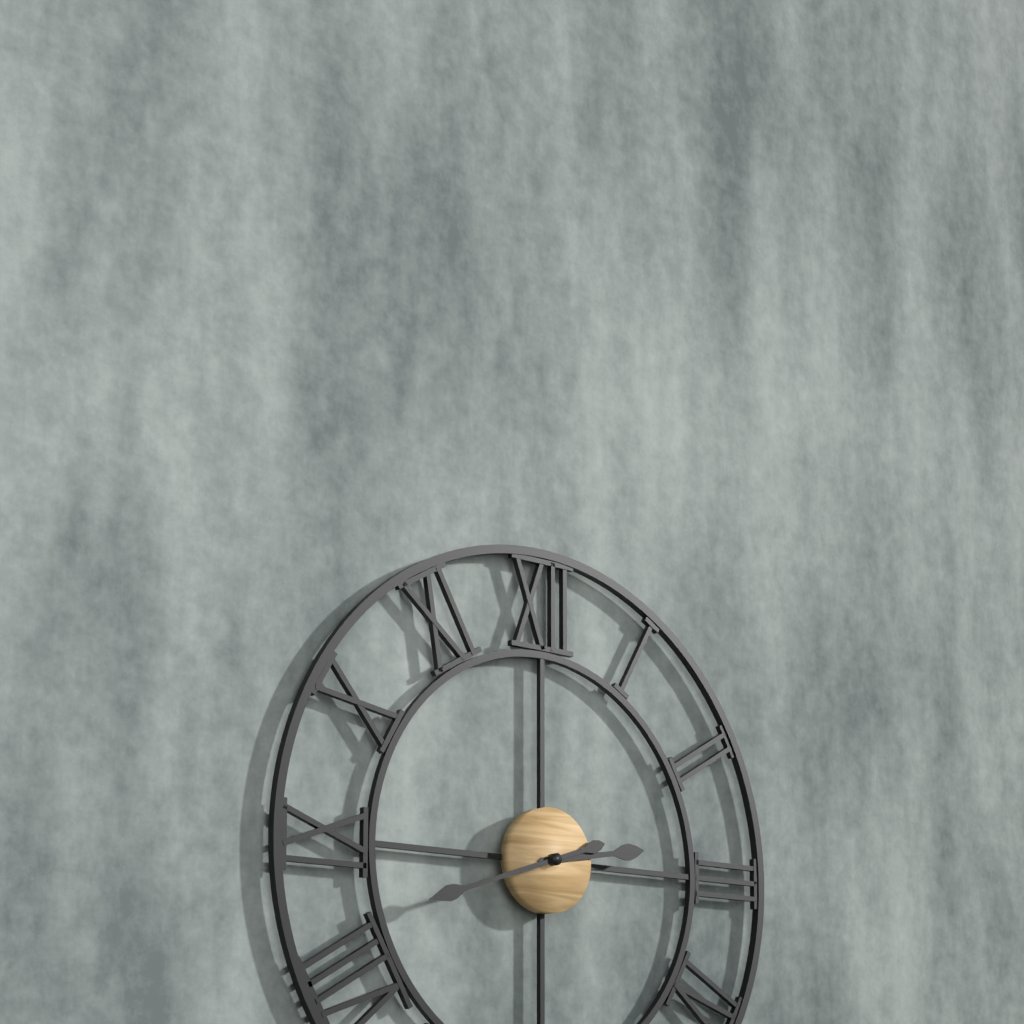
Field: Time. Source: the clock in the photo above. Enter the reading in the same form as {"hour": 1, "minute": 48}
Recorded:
{"hour": 2, "minute": 42}
